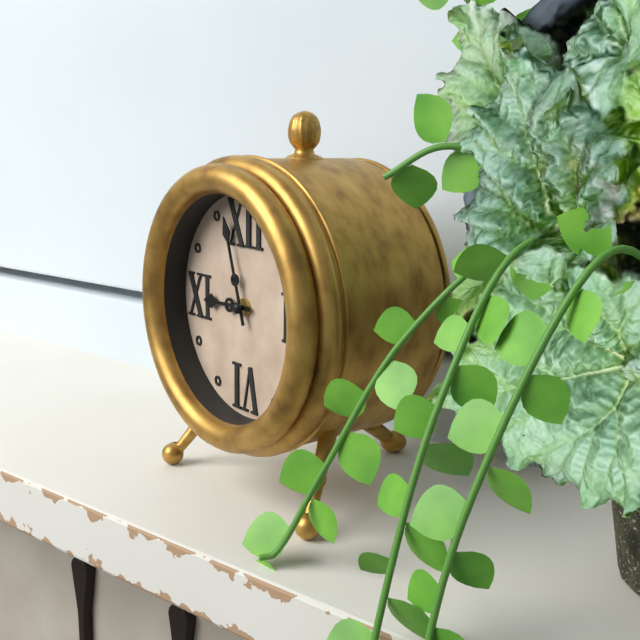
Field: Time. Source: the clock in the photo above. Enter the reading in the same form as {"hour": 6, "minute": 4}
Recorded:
{"hour": 8, "minute": 57}
